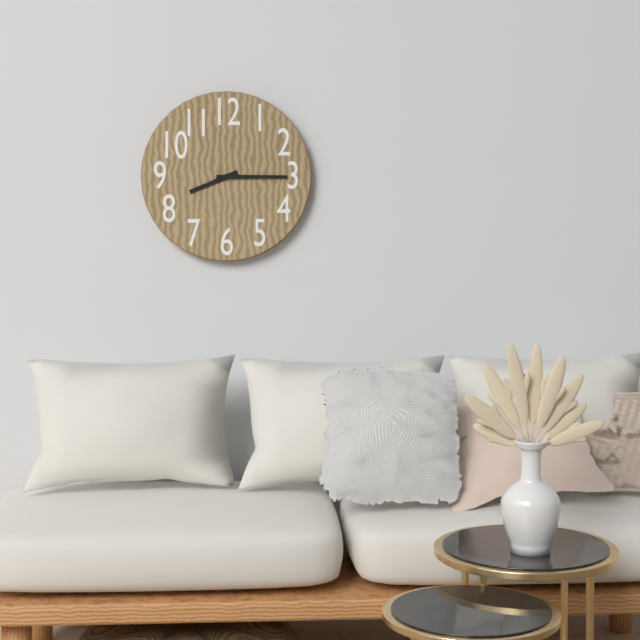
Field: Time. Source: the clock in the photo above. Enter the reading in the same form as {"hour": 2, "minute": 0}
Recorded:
{"hour": 8, "minute": 15}
